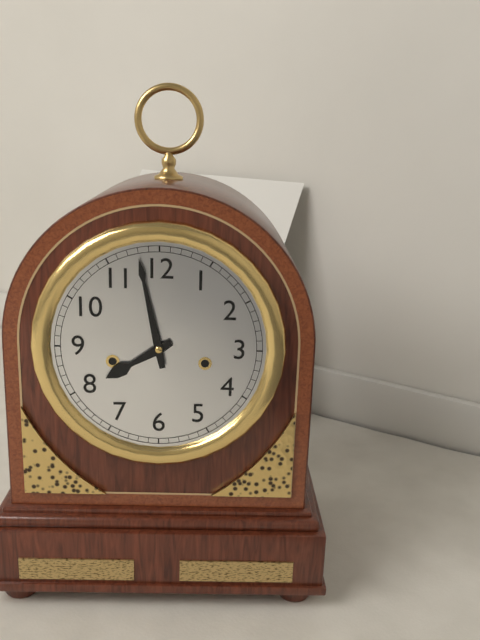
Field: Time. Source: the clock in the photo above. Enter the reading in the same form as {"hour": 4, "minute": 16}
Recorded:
{"hour": 7, "minute": 58}
